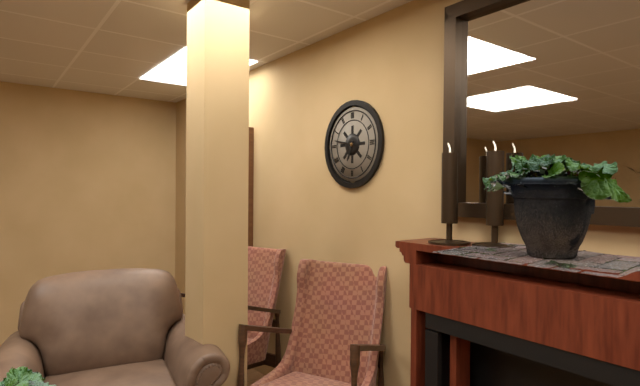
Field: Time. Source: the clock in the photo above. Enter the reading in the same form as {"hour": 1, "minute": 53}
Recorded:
{"hour": 6, "minute": 47}
